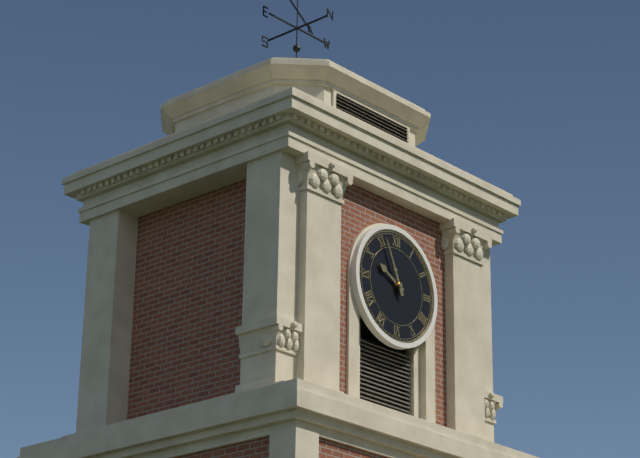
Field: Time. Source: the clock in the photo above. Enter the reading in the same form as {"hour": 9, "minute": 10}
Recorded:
{"hour": 9, "minute": 56}
